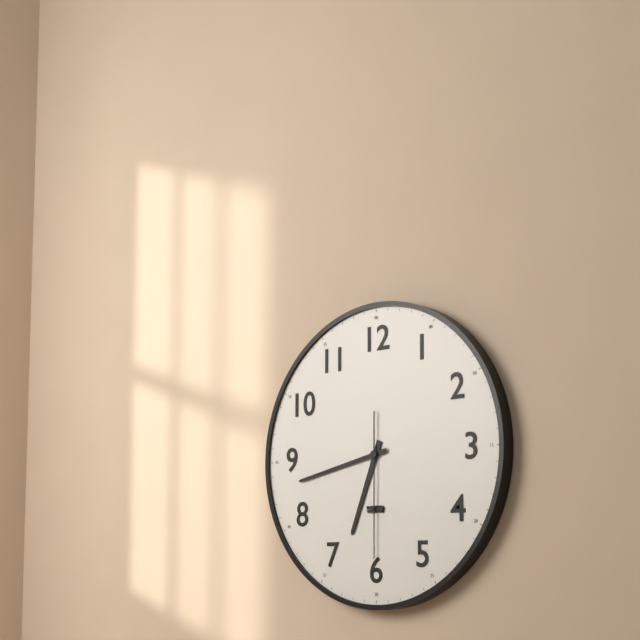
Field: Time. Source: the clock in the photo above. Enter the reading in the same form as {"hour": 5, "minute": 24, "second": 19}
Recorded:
{"hour": 6, "minute": 43, "second": 30}
